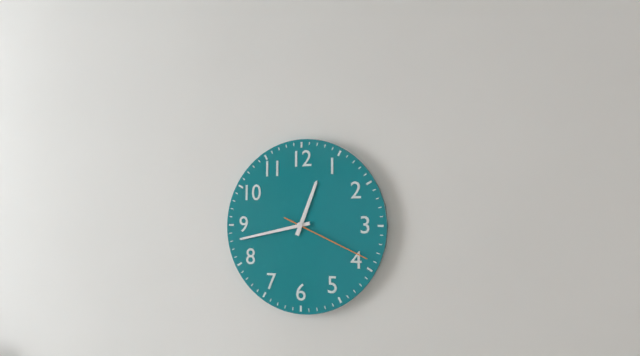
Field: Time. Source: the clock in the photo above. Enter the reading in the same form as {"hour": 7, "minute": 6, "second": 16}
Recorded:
{"hour": 12, "minute": 43, "second": 19}
